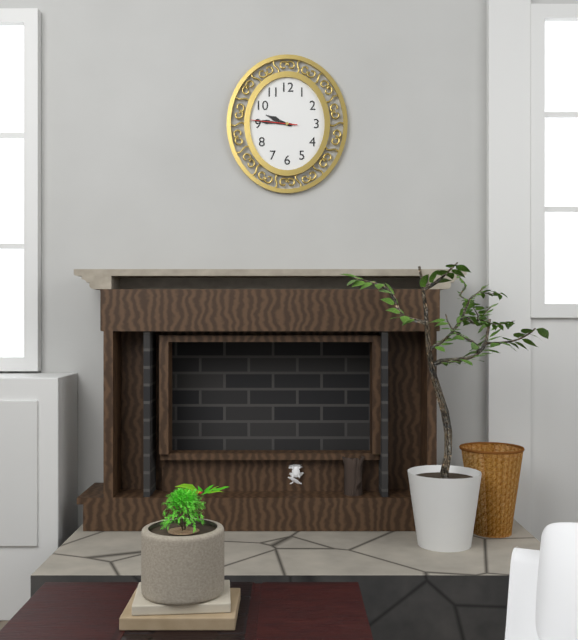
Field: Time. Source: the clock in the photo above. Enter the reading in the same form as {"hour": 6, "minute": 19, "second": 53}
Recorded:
{"hour": 9, "minute": 46, "second": 46}
